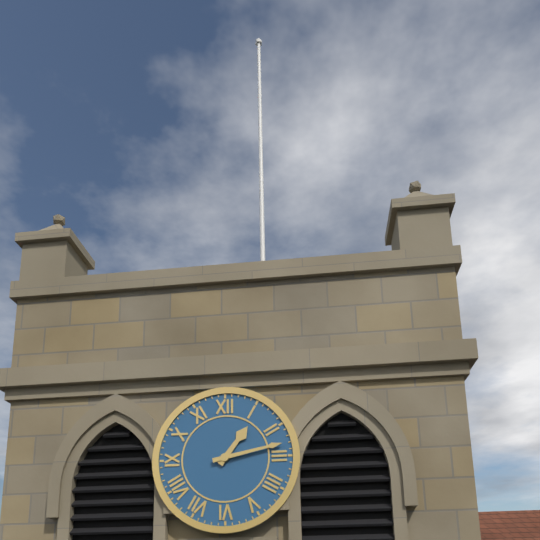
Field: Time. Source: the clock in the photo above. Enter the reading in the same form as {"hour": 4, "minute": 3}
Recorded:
{"hour": 1, "minute": 13}
